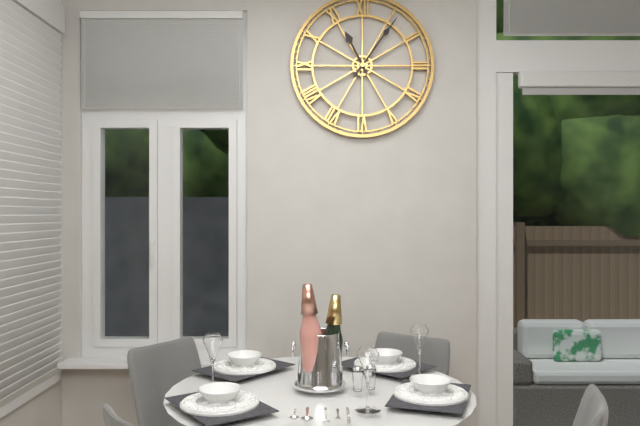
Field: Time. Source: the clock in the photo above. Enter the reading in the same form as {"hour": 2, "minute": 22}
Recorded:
{"hour": 11, "minute": 6}
